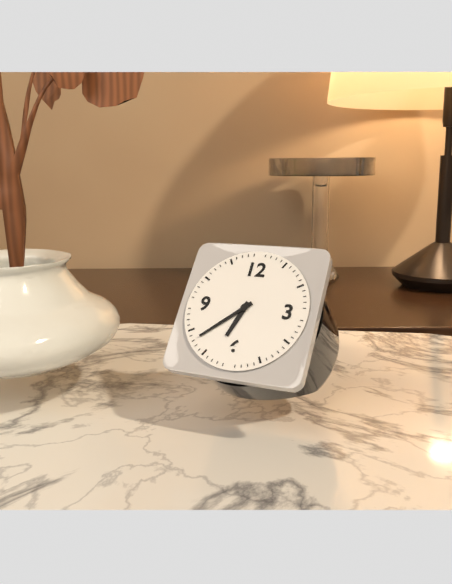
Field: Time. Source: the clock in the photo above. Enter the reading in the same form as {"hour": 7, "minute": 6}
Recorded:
{"hour": 6, "minute": 38}
